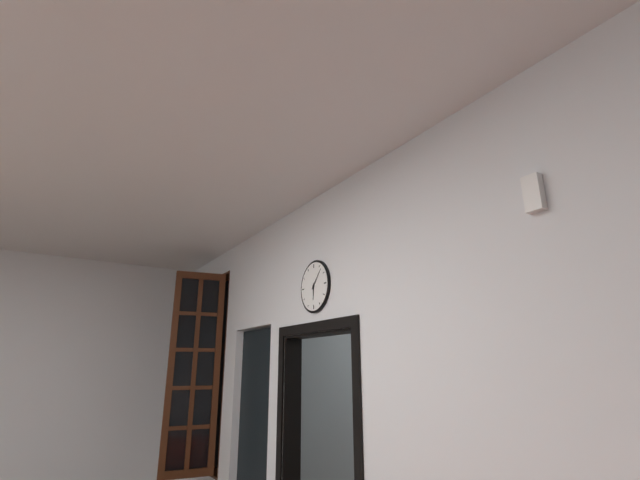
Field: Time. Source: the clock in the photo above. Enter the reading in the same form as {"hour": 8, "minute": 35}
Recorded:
{"hour": 6, "minute": 7}
